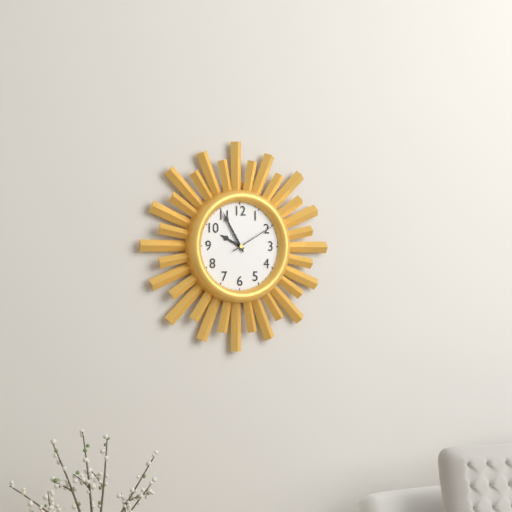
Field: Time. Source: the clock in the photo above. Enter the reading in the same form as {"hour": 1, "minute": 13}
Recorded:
{"hour": 9, "minute": 55}
